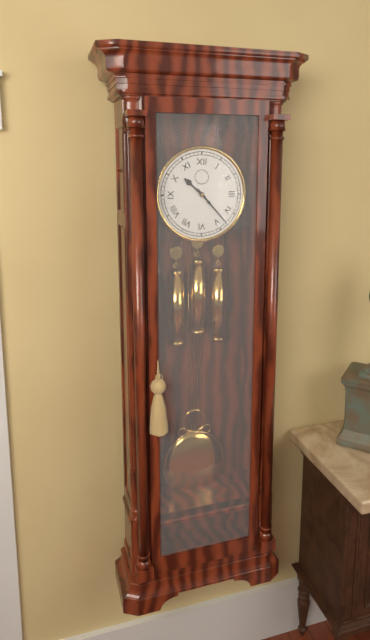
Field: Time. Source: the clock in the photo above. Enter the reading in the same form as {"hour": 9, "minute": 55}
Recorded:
{"hour": 10, "minute": 23}
